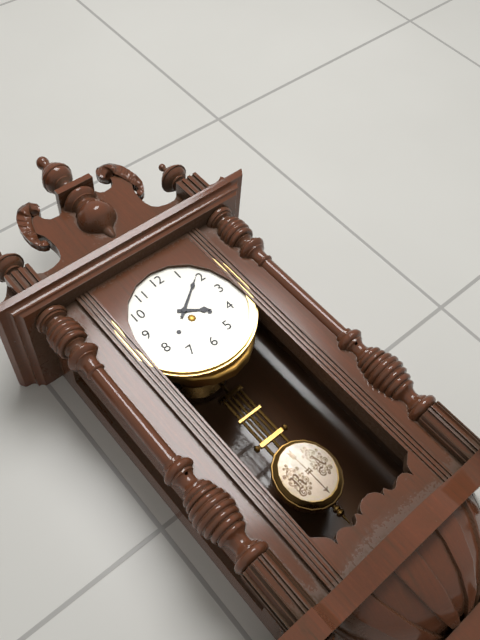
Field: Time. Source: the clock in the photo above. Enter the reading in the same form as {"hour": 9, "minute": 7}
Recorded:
{"hour": 4, "minute": 9}
